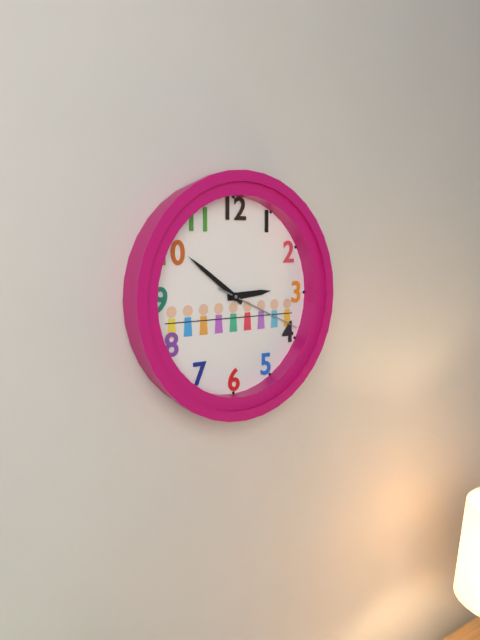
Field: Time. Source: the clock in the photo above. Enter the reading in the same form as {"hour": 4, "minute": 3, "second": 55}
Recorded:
{"hour": 2, "minute": 51, "second": 19}
